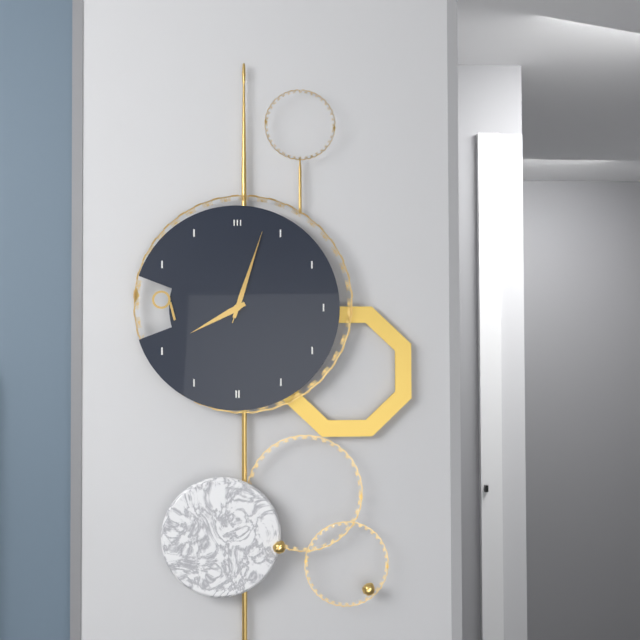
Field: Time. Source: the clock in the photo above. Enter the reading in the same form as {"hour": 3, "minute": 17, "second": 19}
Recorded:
{"hour": 8, "minute": 3, "second": 3}
